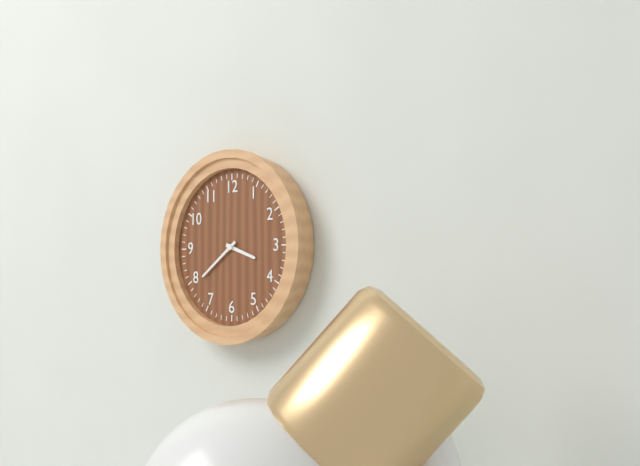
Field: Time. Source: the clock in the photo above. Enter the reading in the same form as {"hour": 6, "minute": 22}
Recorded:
{"hour": 3, "minute": 39}
